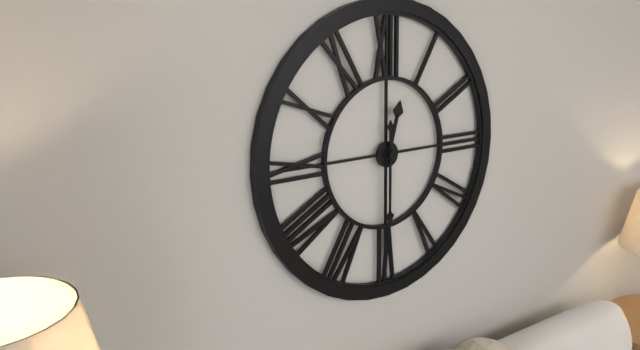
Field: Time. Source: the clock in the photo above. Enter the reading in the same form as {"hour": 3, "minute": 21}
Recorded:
{"hour": 12, "minute": 30}
